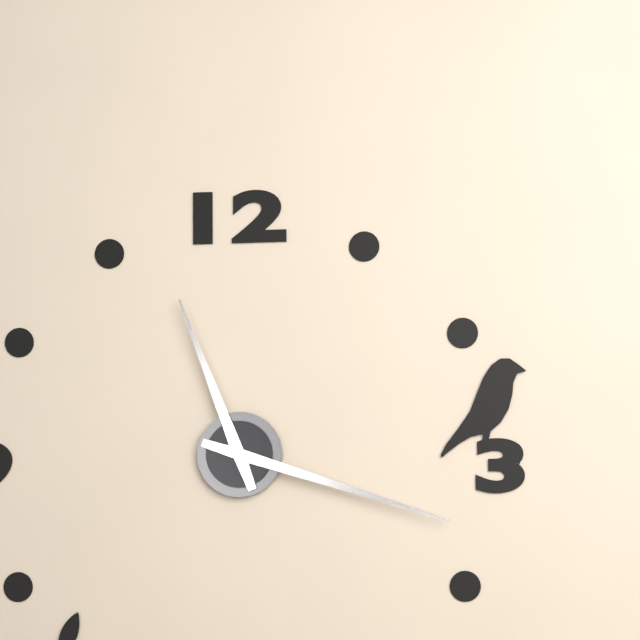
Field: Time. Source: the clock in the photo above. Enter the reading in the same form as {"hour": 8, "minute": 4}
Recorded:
{"hour": 11, "minute": 18}
